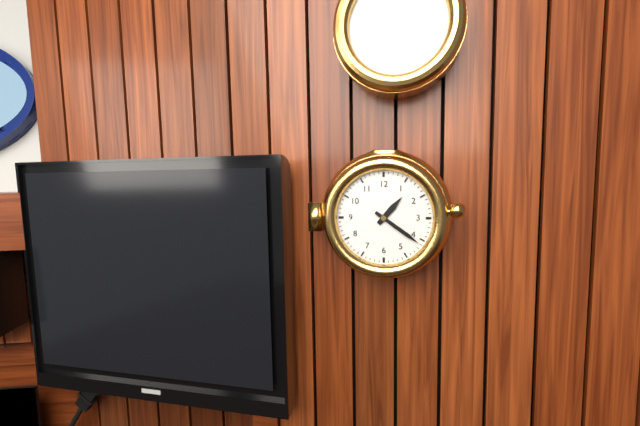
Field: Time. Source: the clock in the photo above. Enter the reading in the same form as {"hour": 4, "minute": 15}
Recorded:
{"hour": 1, "minute": 21}
